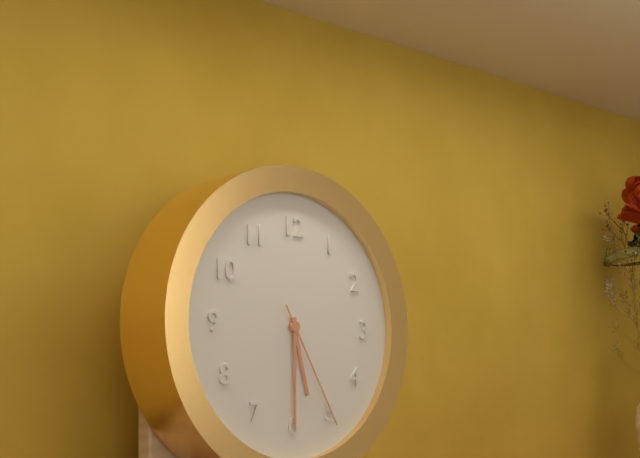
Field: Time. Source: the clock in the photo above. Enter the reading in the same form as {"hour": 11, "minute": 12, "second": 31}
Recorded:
{"hour": 5, "minute": 30, "second": 25}
